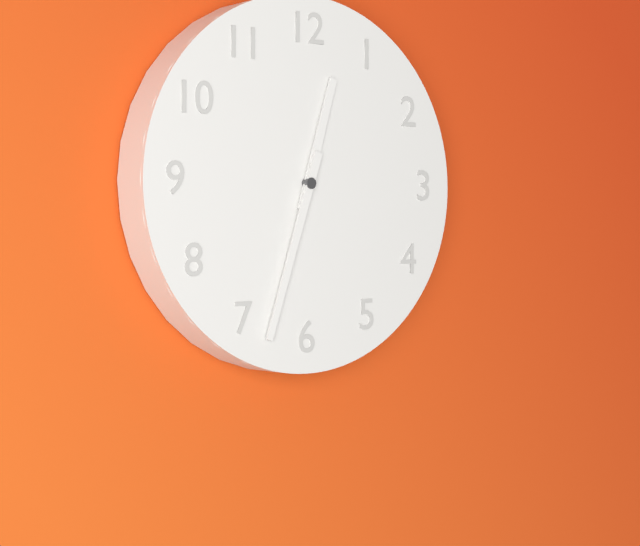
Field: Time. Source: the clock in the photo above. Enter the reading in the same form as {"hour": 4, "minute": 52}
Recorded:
{"hour": 12, "minute": 33}
